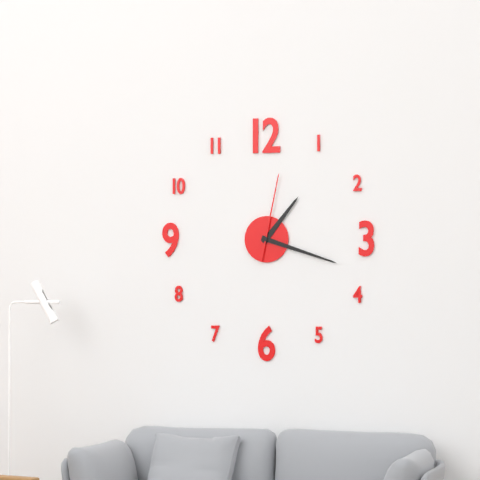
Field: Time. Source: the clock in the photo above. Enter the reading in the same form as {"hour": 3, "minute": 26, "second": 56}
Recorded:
{"hour": 1, "minute": 18, "second": 2}
